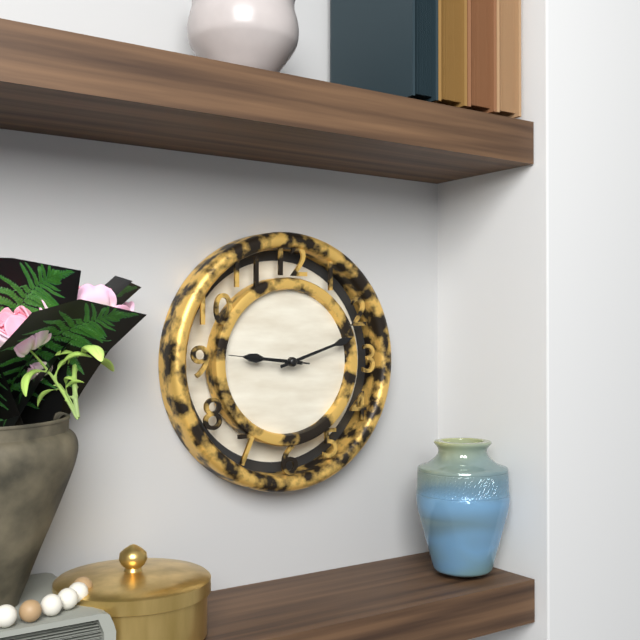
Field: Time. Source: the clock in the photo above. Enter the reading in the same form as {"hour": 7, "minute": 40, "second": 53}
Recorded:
{"hour": 9, "minute": 12, "second": 46}
